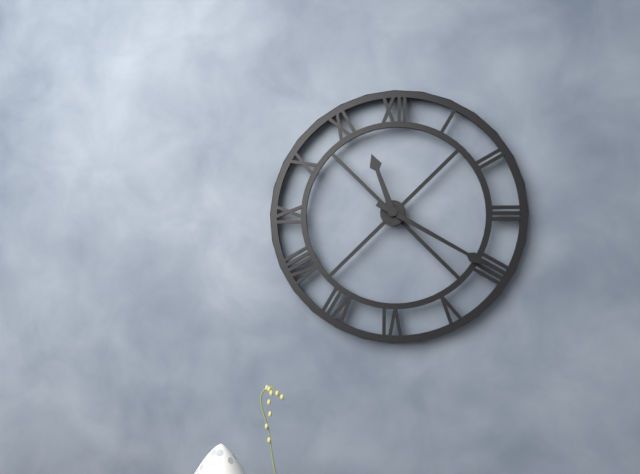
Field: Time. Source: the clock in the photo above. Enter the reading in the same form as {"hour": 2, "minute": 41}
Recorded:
{"hour": 11, "minute": 20}
